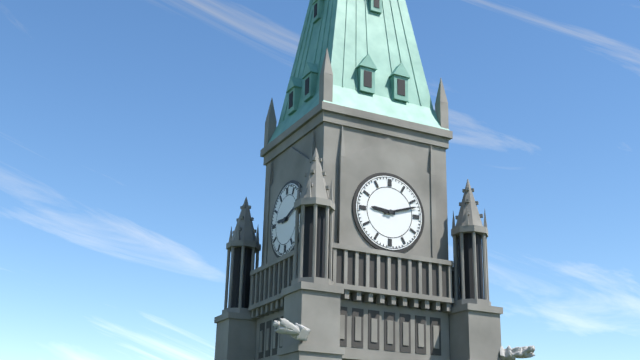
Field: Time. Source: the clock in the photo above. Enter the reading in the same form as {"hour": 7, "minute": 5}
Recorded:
{"hour": 9, "minute": 12}
